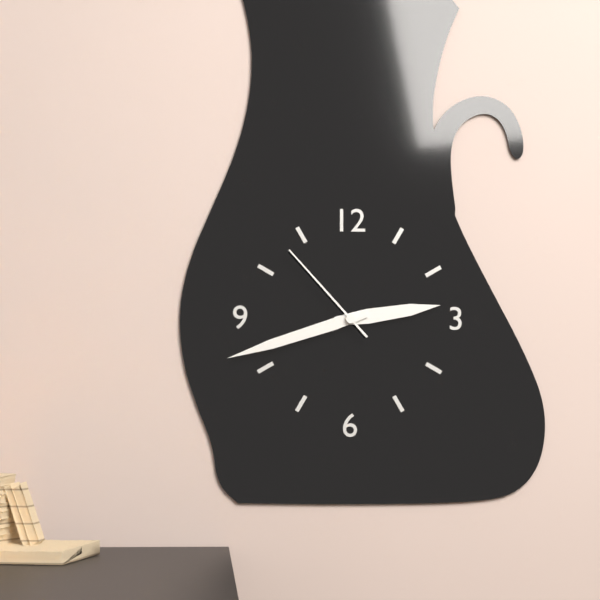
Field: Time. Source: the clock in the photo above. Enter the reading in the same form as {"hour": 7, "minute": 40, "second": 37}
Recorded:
{"hour": 2, "minute": 42, "second": 53}
